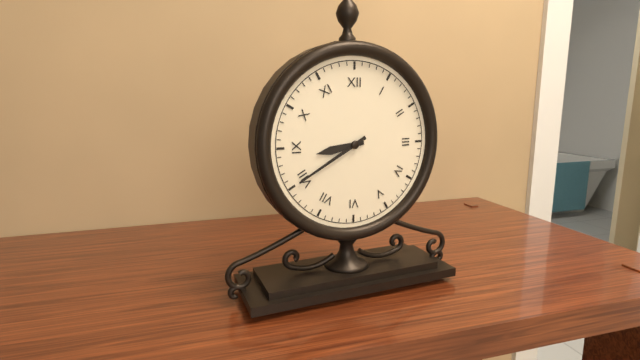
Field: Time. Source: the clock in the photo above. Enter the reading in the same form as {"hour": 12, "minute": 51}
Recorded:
{"hour": 8, "minute": 40}
